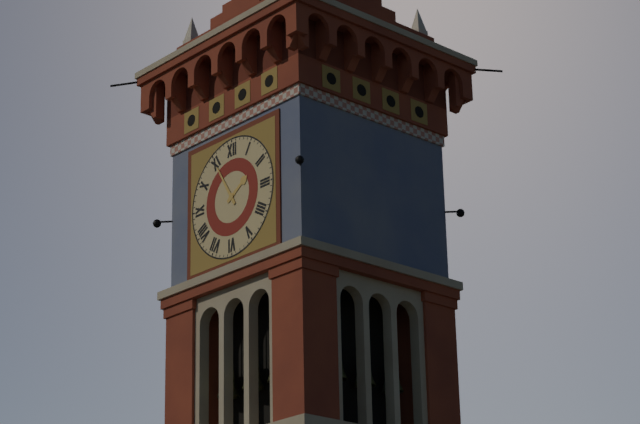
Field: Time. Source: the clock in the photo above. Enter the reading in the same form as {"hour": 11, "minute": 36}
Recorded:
{"hour": 1, "minute": 55}
